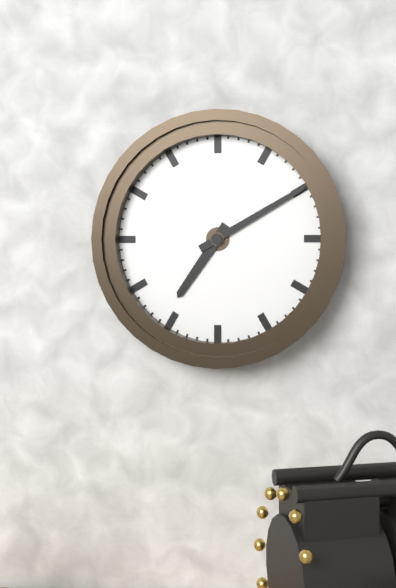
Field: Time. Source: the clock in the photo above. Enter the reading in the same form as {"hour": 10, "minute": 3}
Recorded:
{"hour": 7, "minute": 10}
